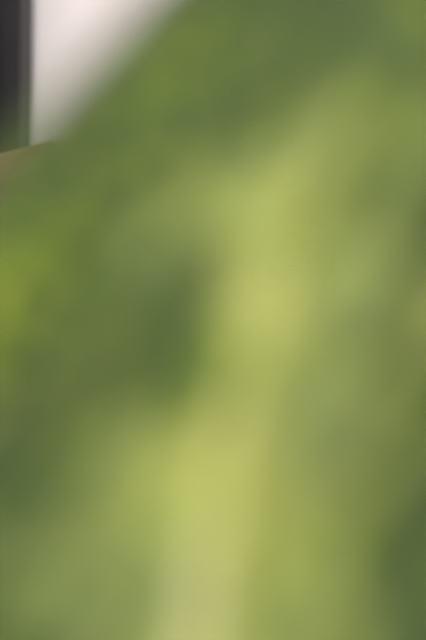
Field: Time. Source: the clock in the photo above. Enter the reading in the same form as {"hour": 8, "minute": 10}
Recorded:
{"hour": 9, "minute": 19}
